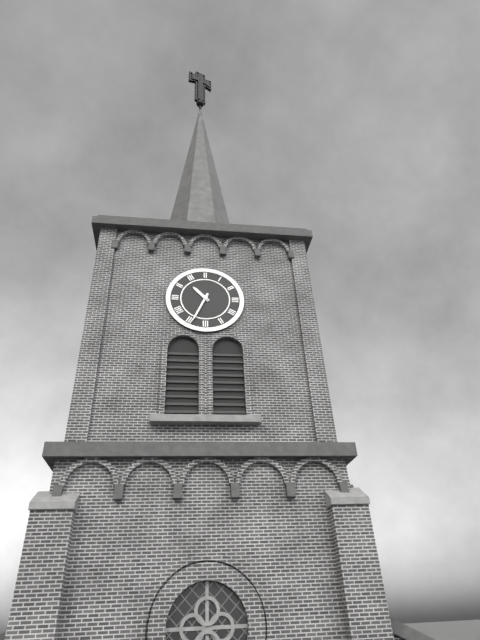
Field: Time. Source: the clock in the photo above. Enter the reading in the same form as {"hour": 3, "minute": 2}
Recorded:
{"hour": 10, "minute": 34}
